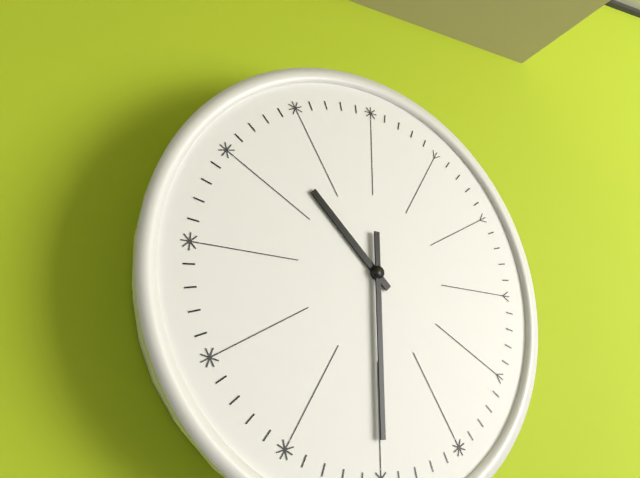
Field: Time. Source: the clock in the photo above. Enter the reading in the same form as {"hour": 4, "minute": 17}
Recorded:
{"hour": 10, "minute": 30}
